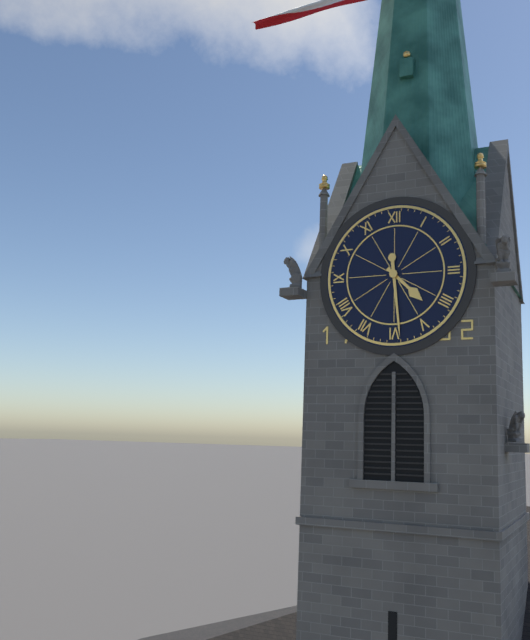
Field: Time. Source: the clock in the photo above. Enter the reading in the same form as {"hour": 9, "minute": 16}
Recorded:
{"hour": 4, "minute": 29}
